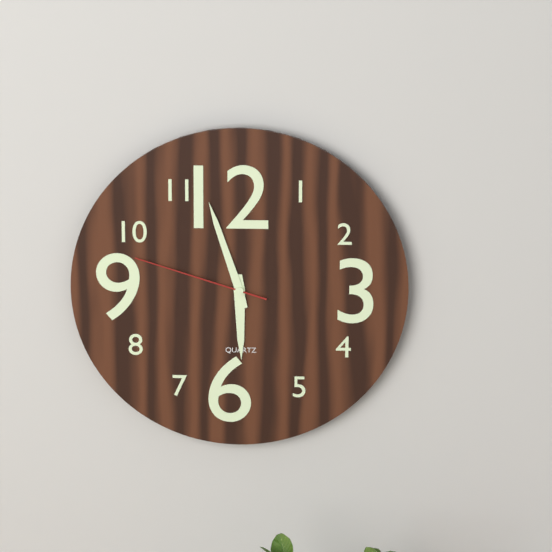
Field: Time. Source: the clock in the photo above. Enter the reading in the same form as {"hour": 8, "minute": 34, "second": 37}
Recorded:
{"hour": 5, "minute": 57, "second": 48}
